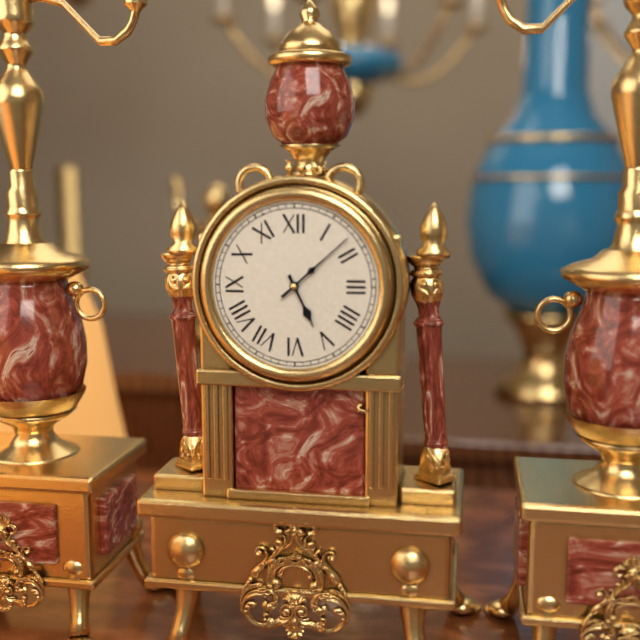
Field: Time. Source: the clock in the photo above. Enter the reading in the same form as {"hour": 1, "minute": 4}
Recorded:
{"hour": 5, "minute": 8}
